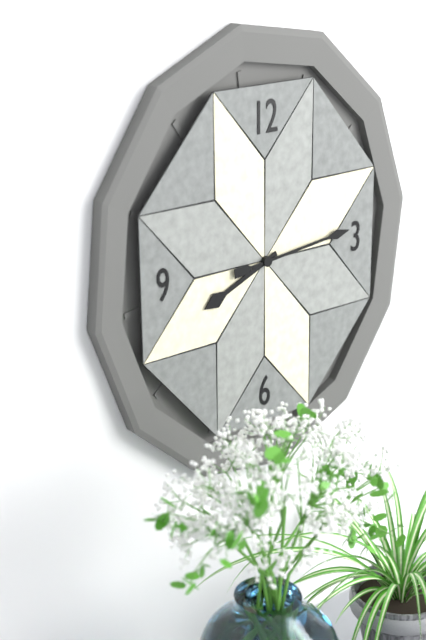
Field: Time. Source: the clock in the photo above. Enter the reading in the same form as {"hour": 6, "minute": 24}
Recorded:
{"hour": 8, "minute": 14}
